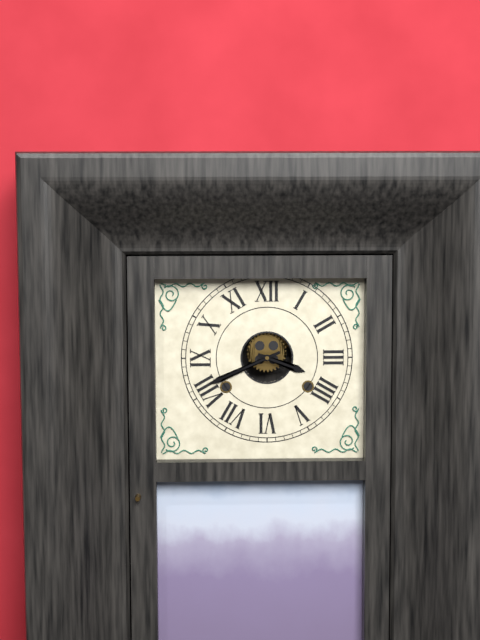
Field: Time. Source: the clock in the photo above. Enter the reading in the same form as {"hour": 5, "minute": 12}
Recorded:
{"hour": 3, "minute": 41}
